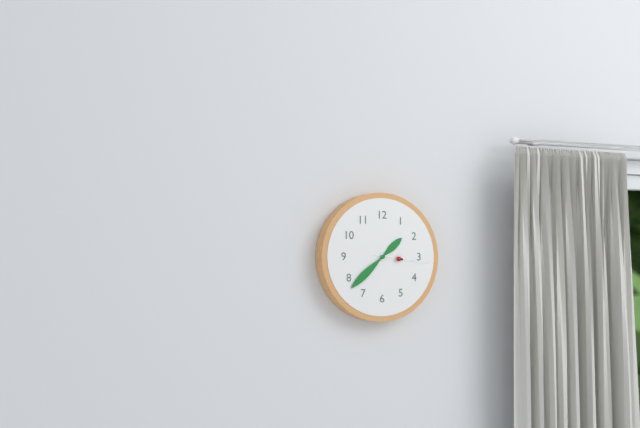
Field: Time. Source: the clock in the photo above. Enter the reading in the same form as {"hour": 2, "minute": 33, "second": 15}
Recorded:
{"hour": 1, "minute": 38, "second": 16}
